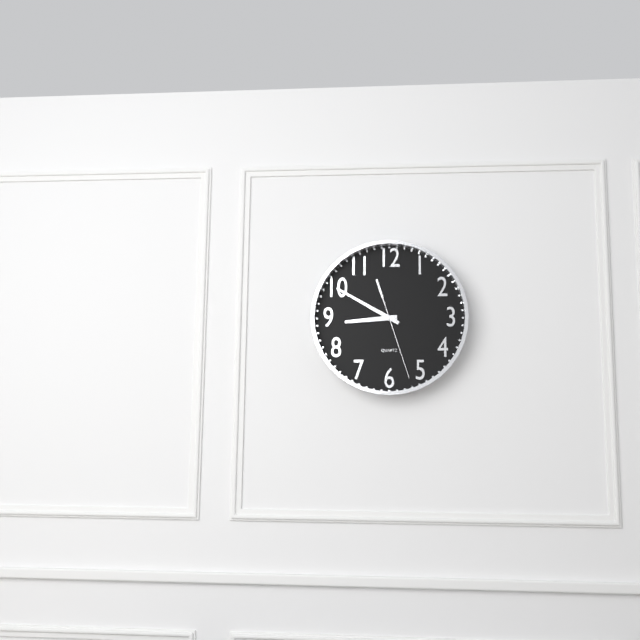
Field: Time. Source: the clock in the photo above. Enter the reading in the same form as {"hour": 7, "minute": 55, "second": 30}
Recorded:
{"hour": 8, "minute": 50, "second": 27}
